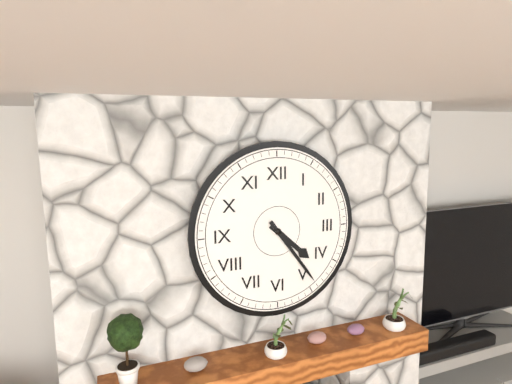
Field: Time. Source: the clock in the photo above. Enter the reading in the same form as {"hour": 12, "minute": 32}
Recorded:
{"hour": 4, "minute": 24}
